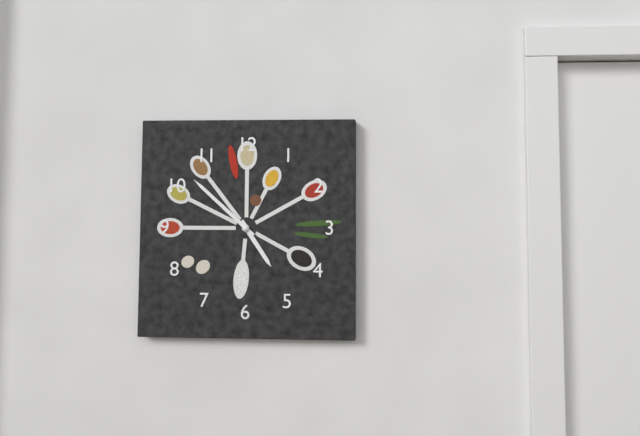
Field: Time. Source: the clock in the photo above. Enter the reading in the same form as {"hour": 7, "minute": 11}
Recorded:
{"hour": 4, "minute": 52}
